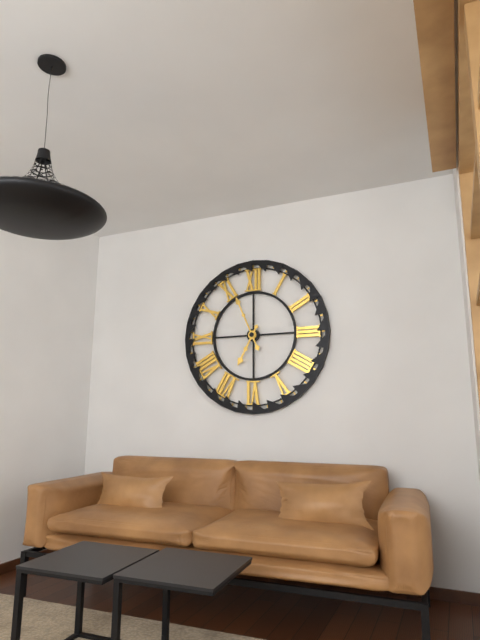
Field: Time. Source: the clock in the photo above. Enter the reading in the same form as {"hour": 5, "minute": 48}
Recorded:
{"hour": 6, "minute": 56}
